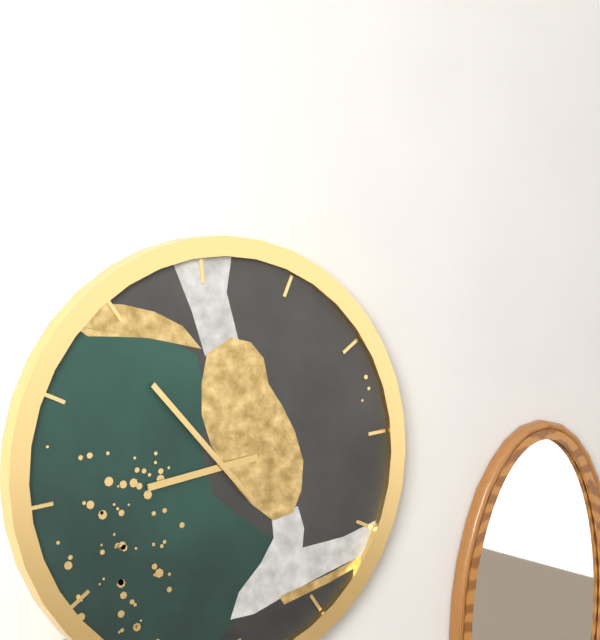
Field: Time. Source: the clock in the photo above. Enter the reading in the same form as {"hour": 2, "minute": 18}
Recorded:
{"hour": 8, "minute": 54}
